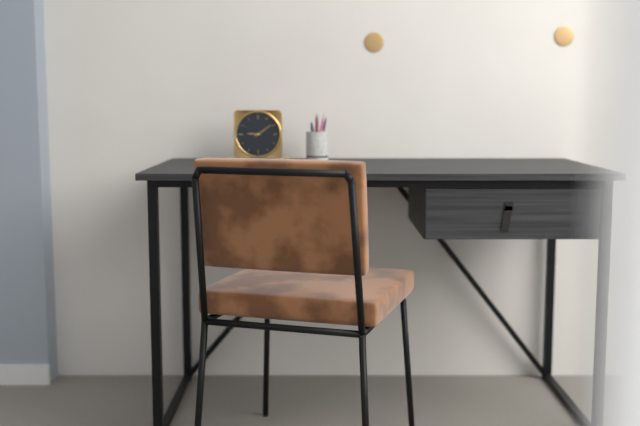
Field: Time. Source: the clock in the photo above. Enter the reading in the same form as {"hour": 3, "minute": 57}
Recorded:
{"hour": 9, "minute": 9}
